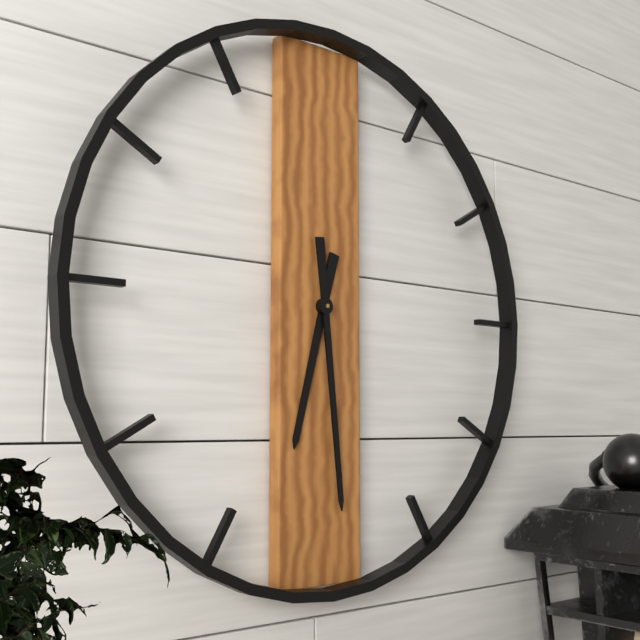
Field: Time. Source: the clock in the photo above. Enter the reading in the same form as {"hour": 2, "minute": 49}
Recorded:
{"hour": 6, "minute": 29}
